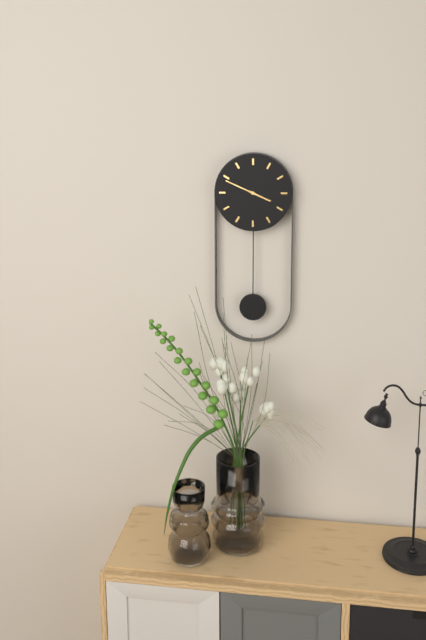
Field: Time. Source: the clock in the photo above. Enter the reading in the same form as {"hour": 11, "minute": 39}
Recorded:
{"hour": 3, "minute": 49}
